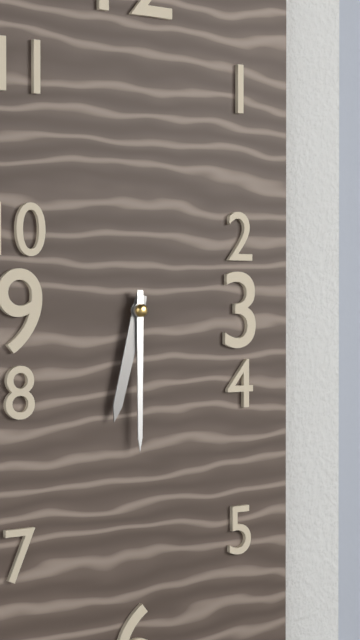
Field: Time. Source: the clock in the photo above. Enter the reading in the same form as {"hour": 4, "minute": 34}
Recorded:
{"hour": 6, "minute": 30}
